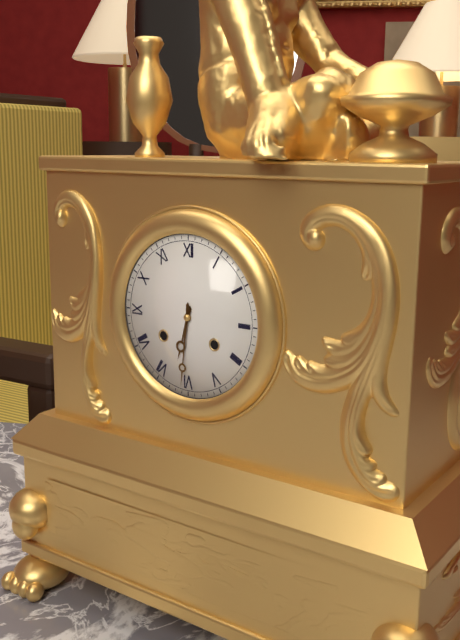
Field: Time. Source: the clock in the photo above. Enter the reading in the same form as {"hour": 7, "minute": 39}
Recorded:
{"hour": 6, "minute": 31}
